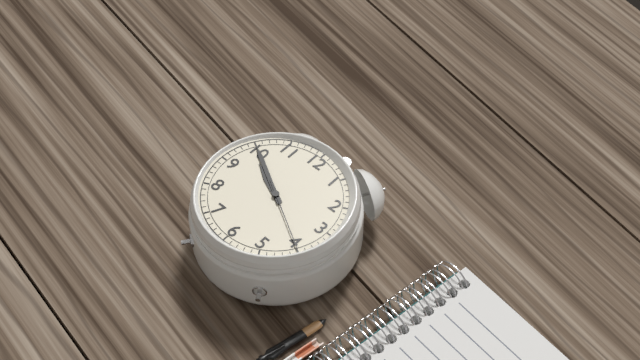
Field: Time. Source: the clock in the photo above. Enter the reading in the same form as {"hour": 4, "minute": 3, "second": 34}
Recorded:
{"hour": 9, "minute": 50, "second": 20}
